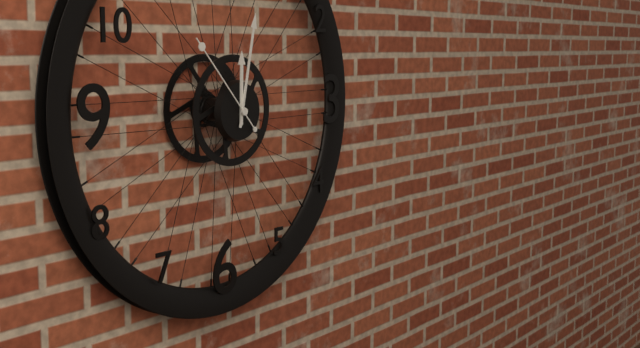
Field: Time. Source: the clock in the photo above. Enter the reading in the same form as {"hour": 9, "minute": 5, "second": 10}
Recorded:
{"hour": 12, "minute": 2, "second": 53}
